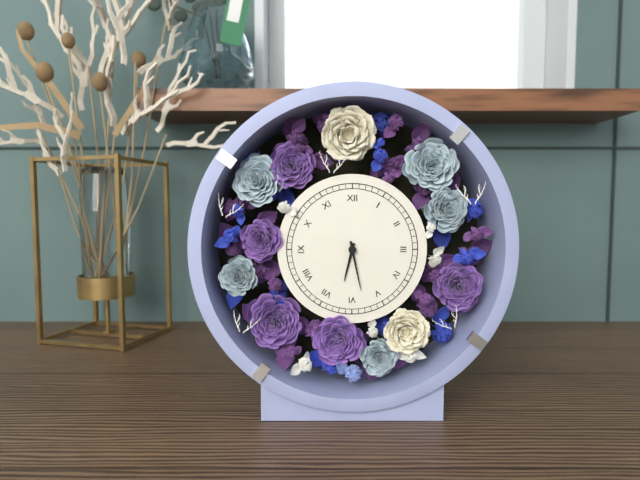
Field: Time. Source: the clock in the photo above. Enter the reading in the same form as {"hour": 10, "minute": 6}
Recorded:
{"hour": 6, "minute": 28}
